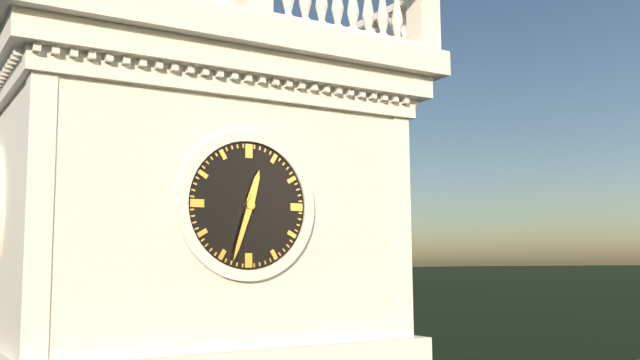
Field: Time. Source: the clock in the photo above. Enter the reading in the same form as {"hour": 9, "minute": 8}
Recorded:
{"hour": 12, "minute": 33}
